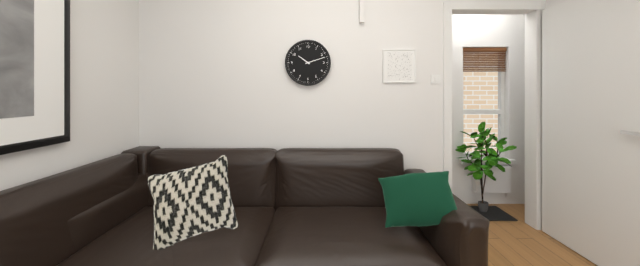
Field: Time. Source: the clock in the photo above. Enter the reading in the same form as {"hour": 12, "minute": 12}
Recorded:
{"hour": 10, "minute": 12}
